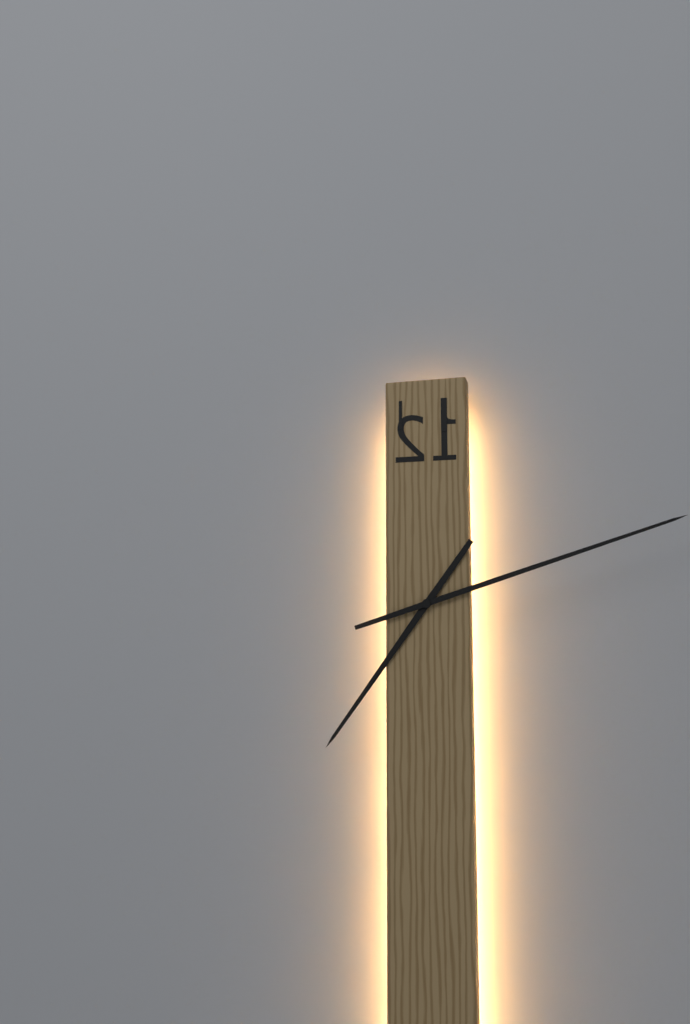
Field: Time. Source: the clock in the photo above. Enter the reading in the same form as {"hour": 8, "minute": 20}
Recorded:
{"hour": 7, "minute": 12}
